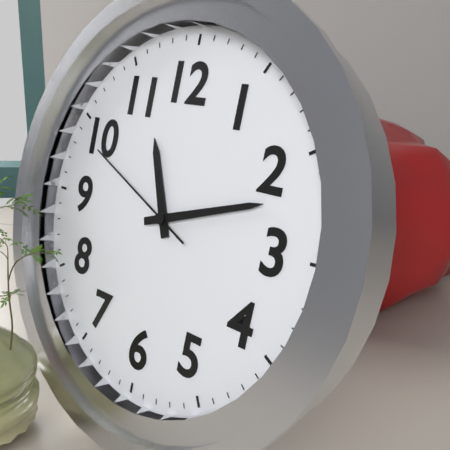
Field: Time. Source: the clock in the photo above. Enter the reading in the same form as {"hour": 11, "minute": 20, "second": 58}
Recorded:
{"hour": 11, "minute": 12, "second": 49}
